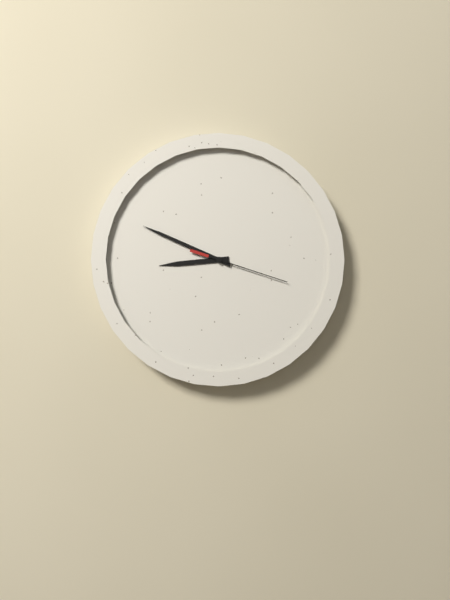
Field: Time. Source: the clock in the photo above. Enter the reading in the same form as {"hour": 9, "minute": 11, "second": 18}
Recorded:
{"hour": 8, "minute": 49, "second": 18}
